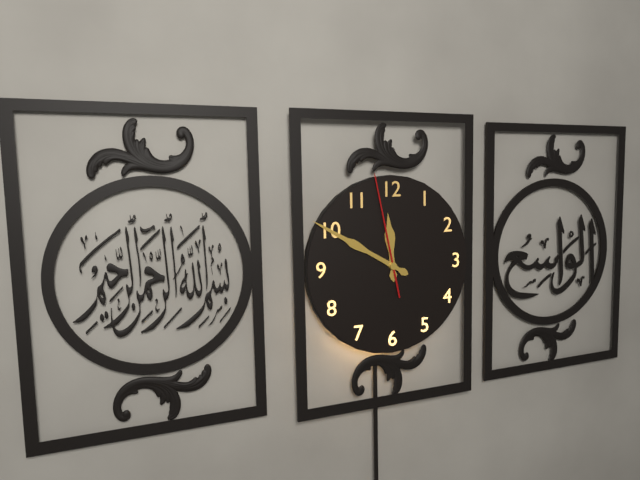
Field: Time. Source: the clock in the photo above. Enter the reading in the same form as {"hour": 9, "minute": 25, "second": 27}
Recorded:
{"hour": 11, "minute": 50, "second": 58}
